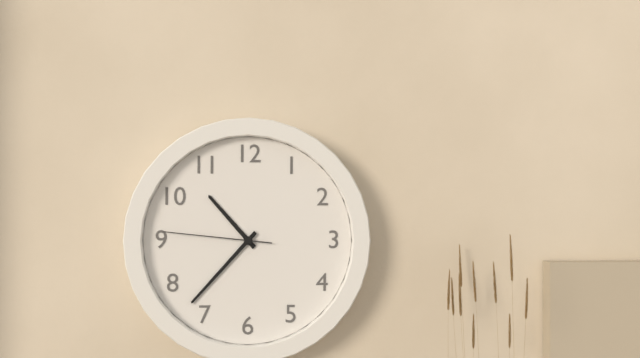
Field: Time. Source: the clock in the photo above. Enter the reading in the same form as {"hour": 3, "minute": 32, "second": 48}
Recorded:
{"hour": 10, "minute": 37, "second": 46}
